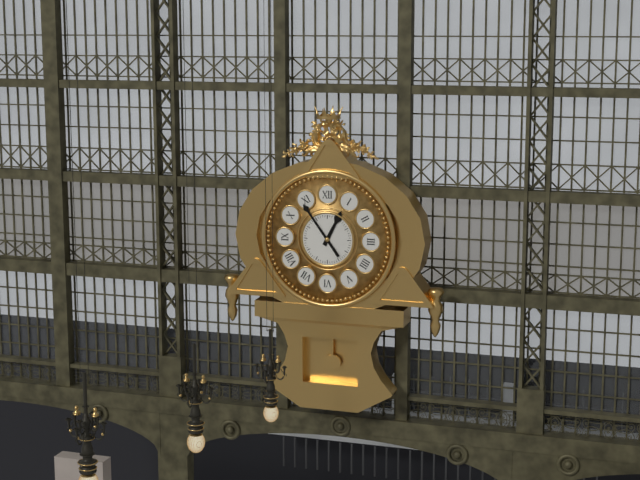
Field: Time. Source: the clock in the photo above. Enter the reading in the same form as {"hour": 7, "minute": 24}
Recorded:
{"hour": 12, "minute": 54}
